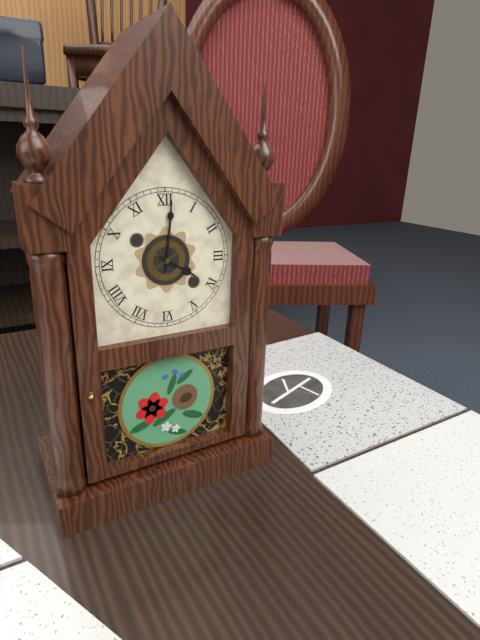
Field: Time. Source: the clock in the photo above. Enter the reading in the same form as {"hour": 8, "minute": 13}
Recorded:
{"hour": 4, "minute": 1}
